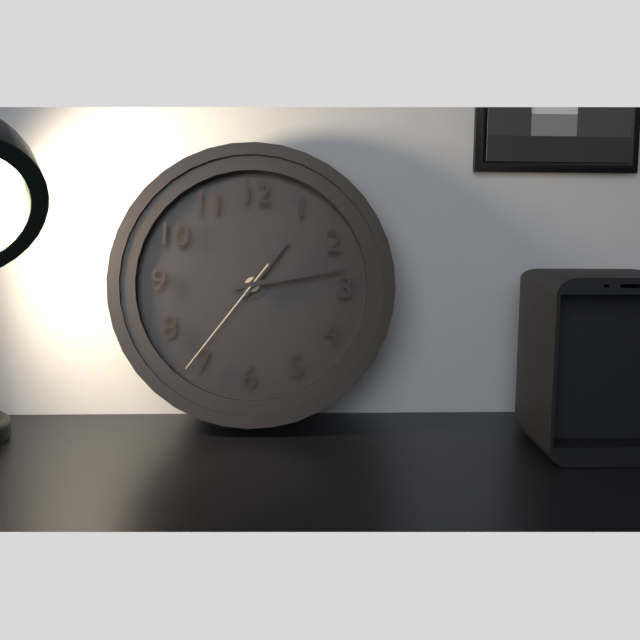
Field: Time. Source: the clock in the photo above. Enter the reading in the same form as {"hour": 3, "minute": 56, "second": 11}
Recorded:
{"hour": 1, "minute": 13, "second": 36}
